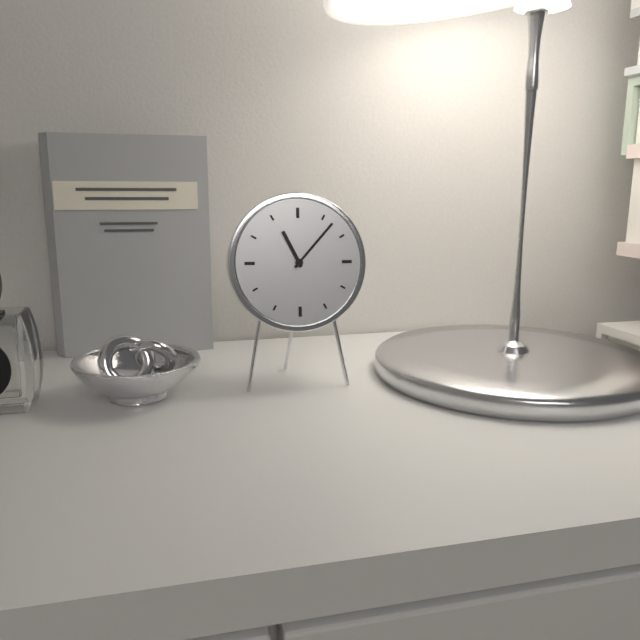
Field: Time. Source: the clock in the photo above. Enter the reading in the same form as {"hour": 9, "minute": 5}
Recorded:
{"hour": 11, "minute": 7}
